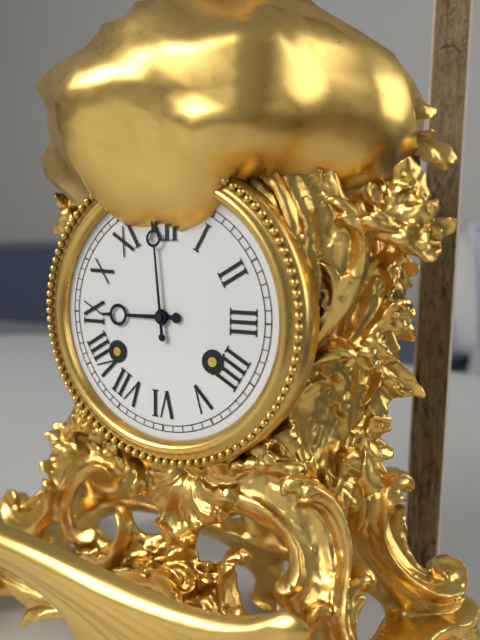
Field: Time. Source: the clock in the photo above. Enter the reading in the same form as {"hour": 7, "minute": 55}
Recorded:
{"hour": 8, "minute": 59}
